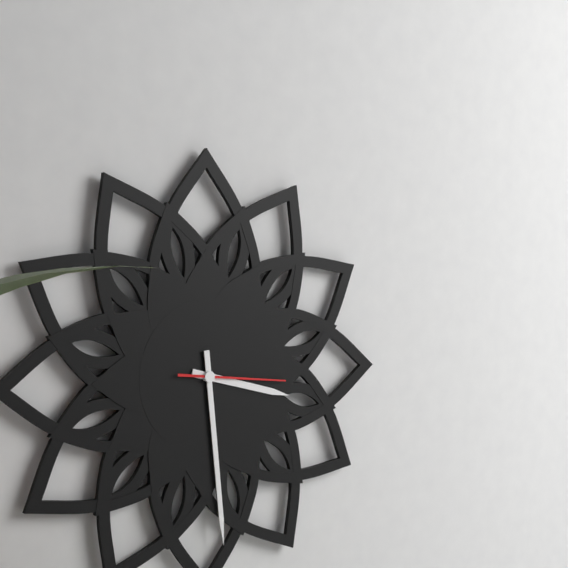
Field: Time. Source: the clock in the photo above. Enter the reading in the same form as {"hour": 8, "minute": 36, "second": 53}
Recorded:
{"hour": 3, "minute": 29, "second": 16}
